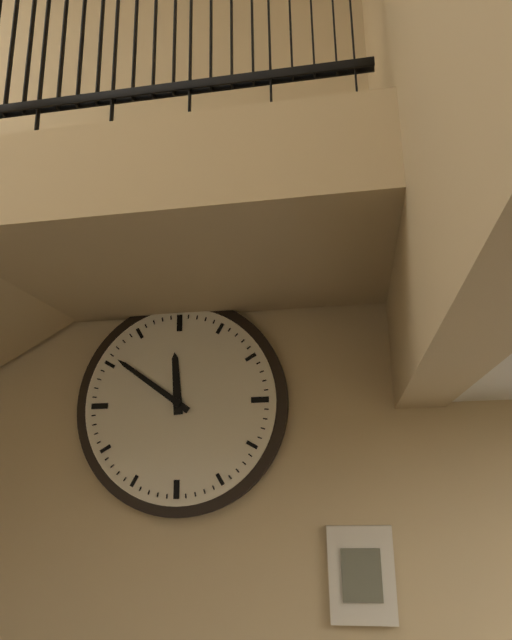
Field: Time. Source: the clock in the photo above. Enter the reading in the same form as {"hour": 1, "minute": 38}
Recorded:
{"hour": 11, "minute": 51}
